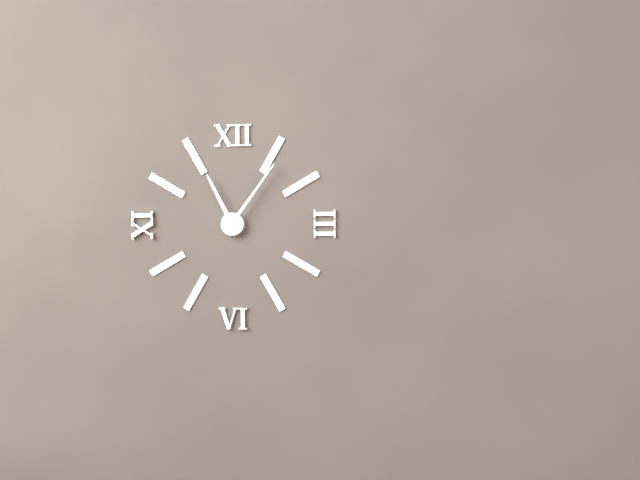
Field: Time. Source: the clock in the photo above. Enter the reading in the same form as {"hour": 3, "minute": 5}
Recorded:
{"hour": 11, "minute": 6}
